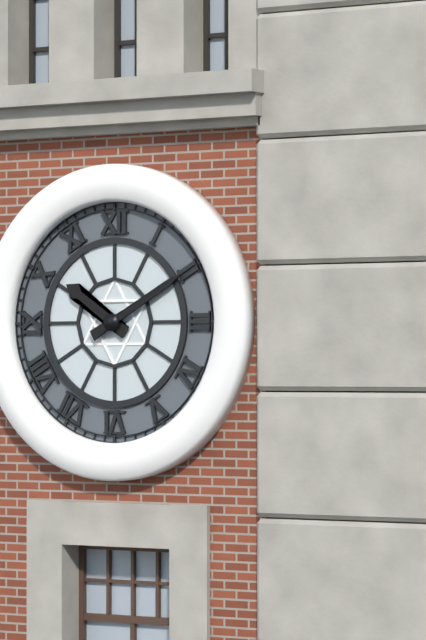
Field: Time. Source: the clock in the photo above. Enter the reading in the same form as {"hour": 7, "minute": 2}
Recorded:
{"hour": 10, "minute": 10}
